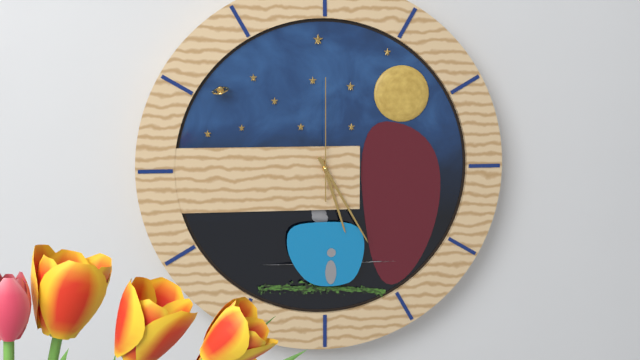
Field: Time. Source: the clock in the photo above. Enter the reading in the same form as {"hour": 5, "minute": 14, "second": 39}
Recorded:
{"hour": 5, "minute": 25, "second": 0}
